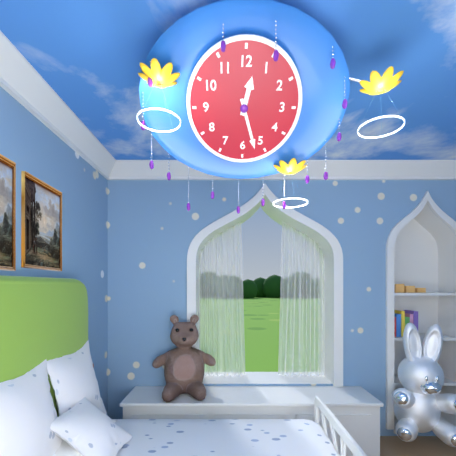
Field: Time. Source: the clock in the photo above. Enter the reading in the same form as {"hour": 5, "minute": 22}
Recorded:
{"hour": 12, "minute": 27}
